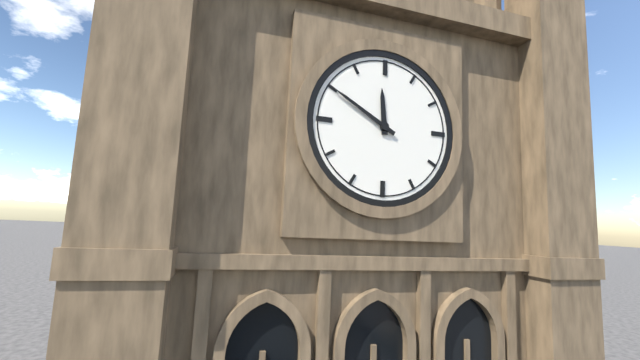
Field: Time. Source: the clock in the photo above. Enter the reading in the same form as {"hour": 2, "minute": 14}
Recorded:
{"hour": 11, "minute": 50}
